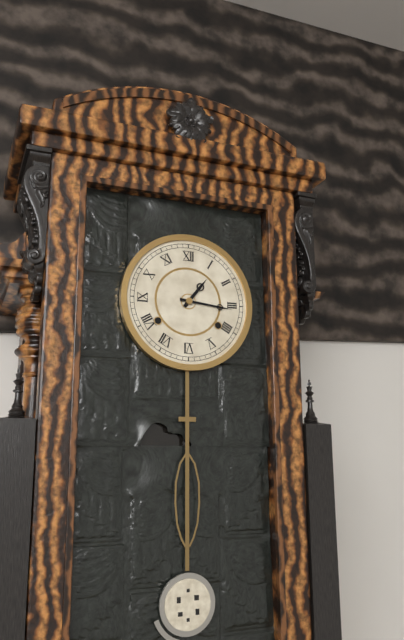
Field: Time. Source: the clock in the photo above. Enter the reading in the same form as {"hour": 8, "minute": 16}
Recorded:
{"hour": 1, "minute": 16}
